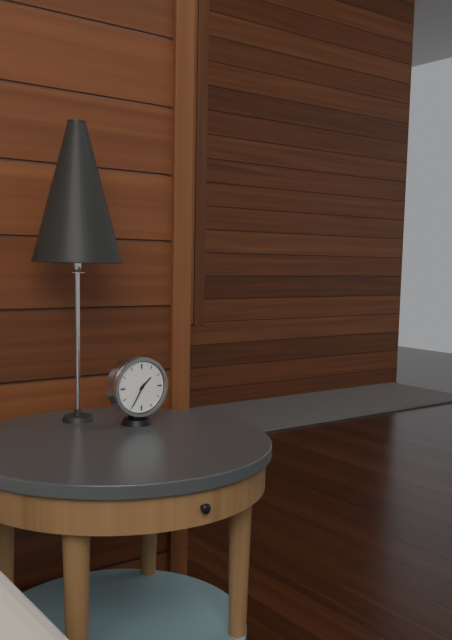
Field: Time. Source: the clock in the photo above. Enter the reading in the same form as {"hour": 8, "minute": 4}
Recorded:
{"hour": 1, "minute": 35}
